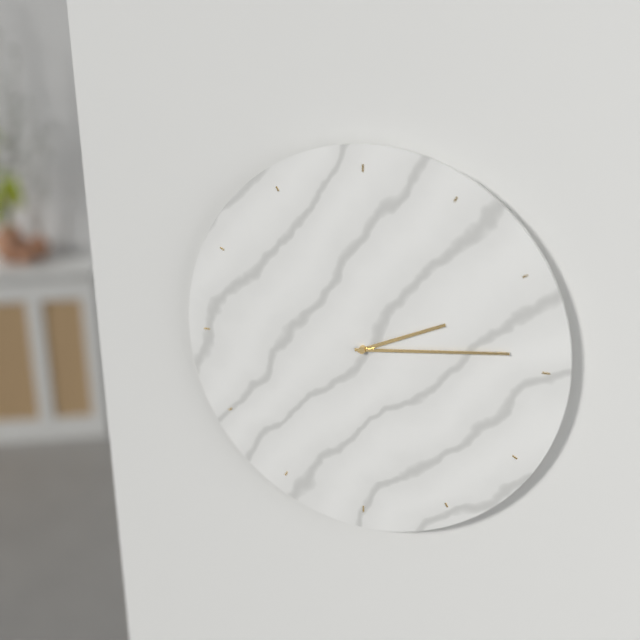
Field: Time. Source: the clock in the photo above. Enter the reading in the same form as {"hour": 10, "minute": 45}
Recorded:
{"hour": 2, "minute": 14}
